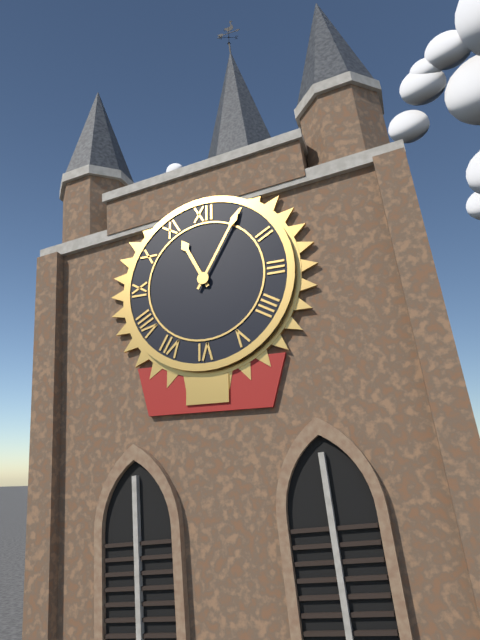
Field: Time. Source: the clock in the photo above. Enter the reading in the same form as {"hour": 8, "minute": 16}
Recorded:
{"hour": 11, "minute": 5}
